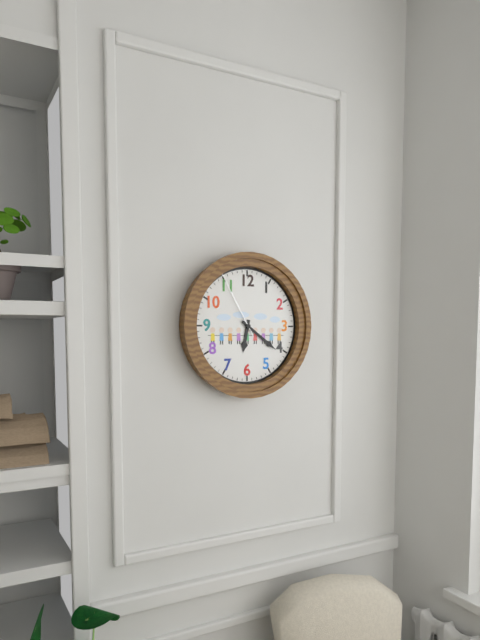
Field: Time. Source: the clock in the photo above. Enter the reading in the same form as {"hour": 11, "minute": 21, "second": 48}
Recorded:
{"hour": 6, "minute": 21, "second": 55}
